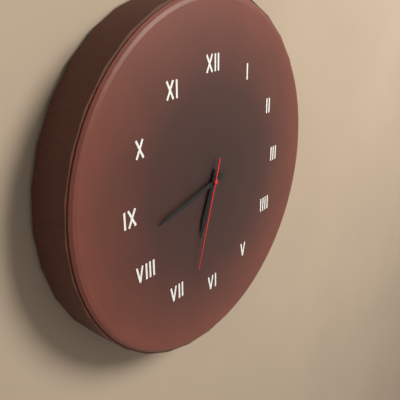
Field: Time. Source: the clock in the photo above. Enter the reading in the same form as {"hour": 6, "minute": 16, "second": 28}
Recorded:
{"hour": 6, "minute": 43, "second": 33}
